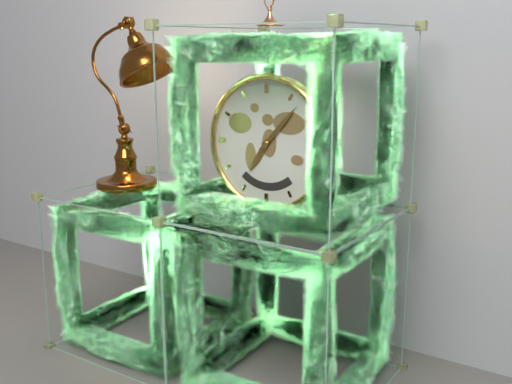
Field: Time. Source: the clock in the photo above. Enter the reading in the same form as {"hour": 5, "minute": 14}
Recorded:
{"hour": 7, "minute": 7}
